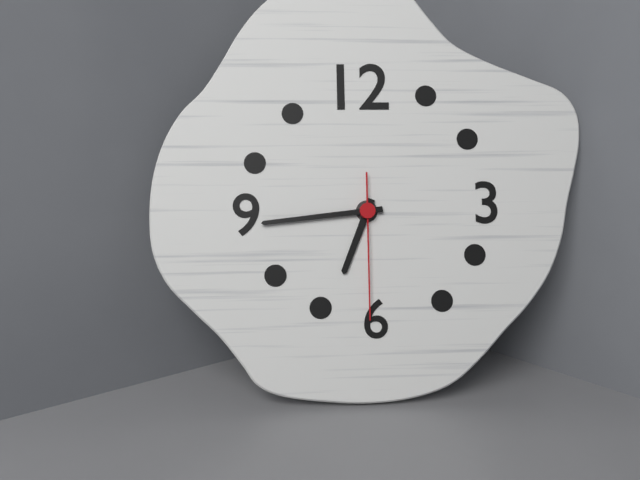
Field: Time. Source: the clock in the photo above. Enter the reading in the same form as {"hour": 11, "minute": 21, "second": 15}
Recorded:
{"hour": 6, "minute": 44, "second": 30}
